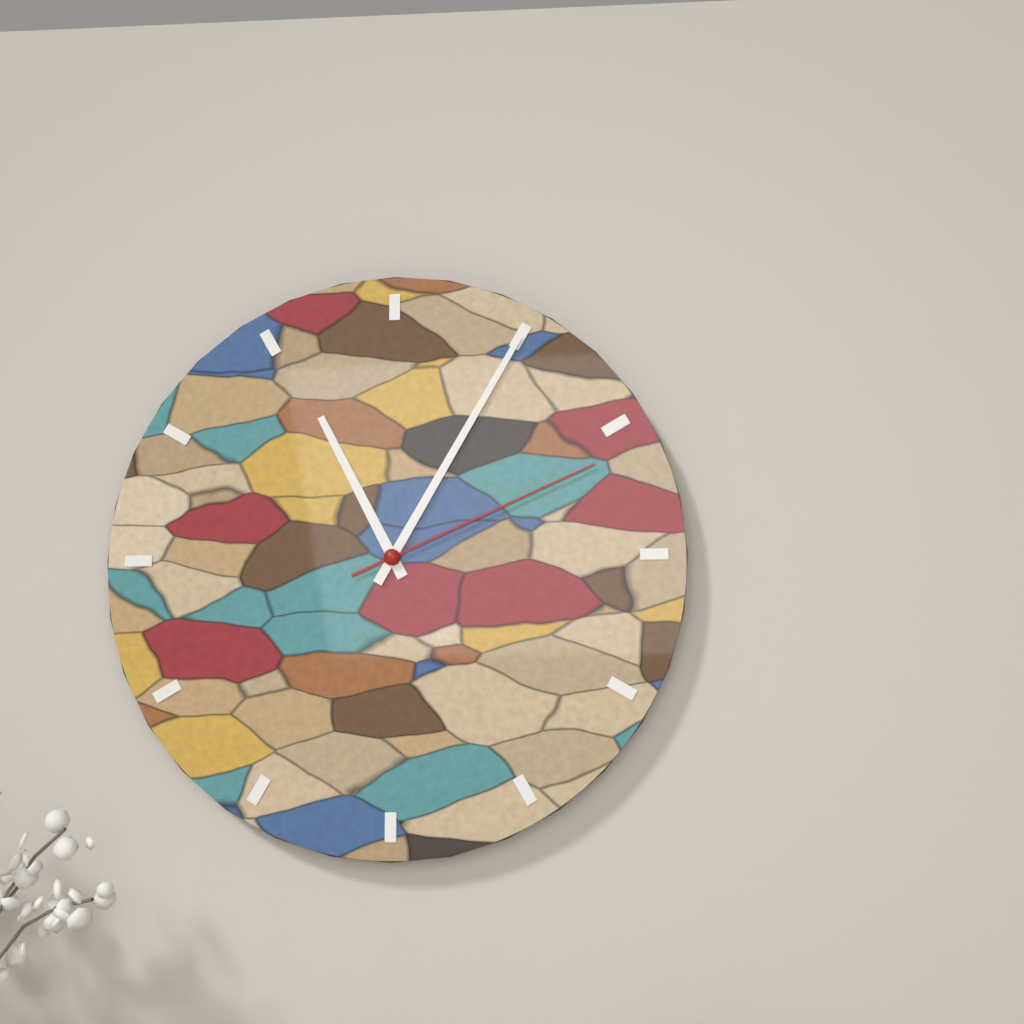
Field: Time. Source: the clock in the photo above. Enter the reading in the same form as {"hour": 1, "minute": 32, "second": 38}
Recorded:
{"hour": 11, "minute": 5, "second": 11}
